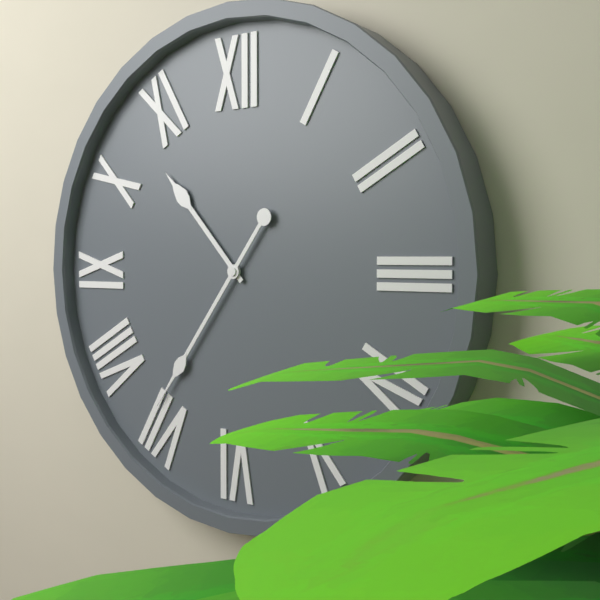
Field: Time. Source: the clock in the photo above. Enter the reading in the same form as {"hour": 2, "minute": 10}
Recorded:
{"hour": 10, "minute": 36}
